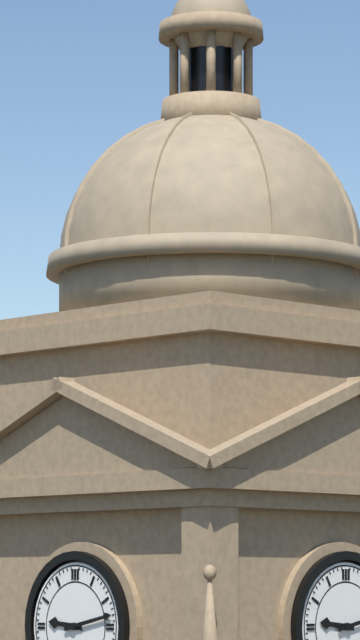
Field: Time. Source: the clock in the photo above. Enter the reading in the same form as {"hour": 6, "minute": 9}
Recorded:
{"hour": 9, "minute": 13}
